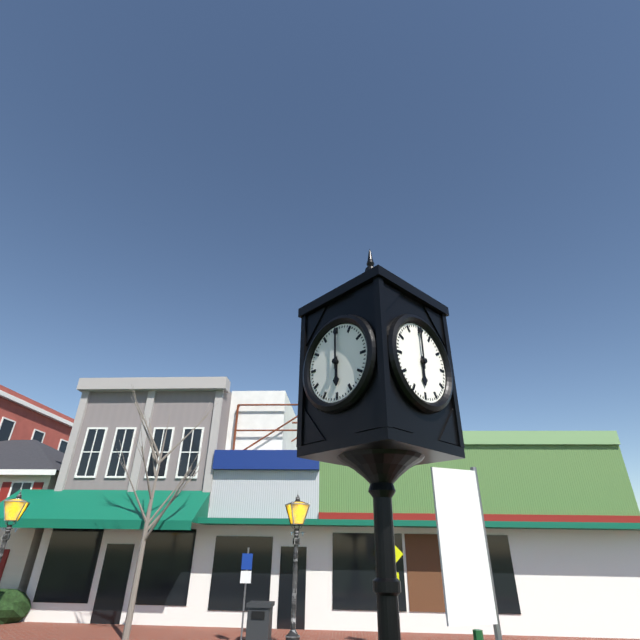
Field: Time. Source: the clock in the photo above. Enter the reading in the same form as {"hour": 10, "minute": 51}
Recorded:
{"hour": 6, "minute": 0}
